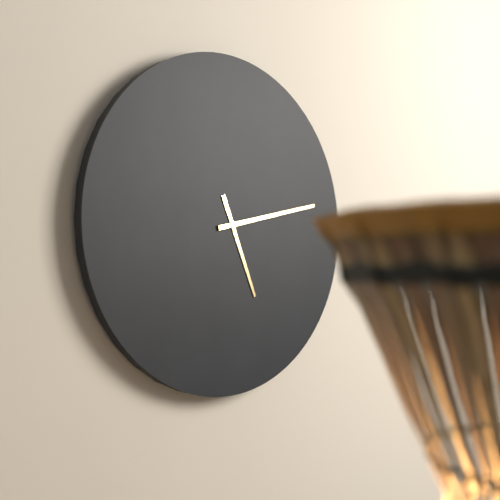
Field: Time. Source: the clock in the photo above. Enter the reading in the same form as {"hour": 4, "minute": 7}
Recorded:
{"hour": 5, "minute": 13}
